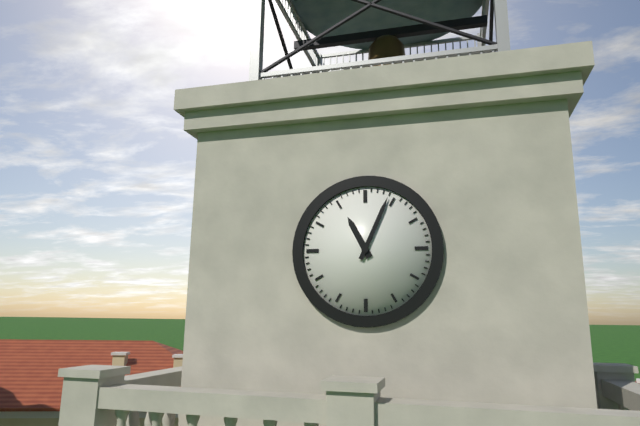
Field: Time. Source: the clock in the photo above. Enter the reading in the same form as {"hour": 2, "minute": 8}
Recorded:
{"hour": 11, "minute": 4}
